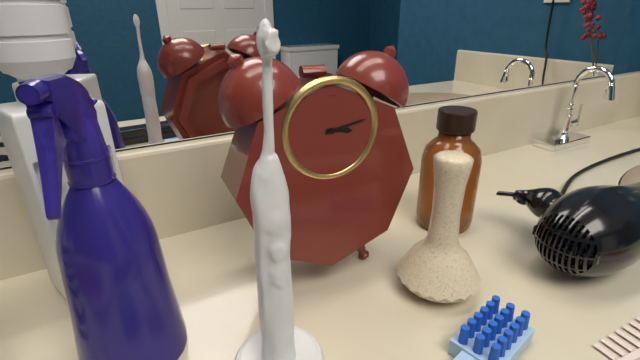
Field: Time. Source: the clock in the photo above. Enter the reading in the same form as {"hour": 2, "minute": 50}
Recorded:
{"hour": 3, "minute": 13}
